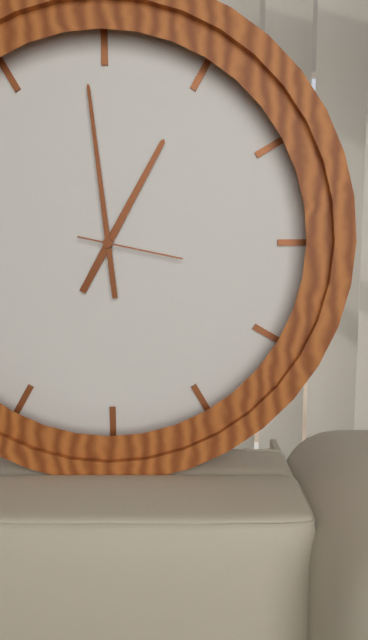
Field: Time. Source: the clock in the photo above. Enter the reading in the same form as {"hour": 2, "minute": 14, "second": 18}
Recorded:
{"hour": 12, "minute": 59, "second": 17}
